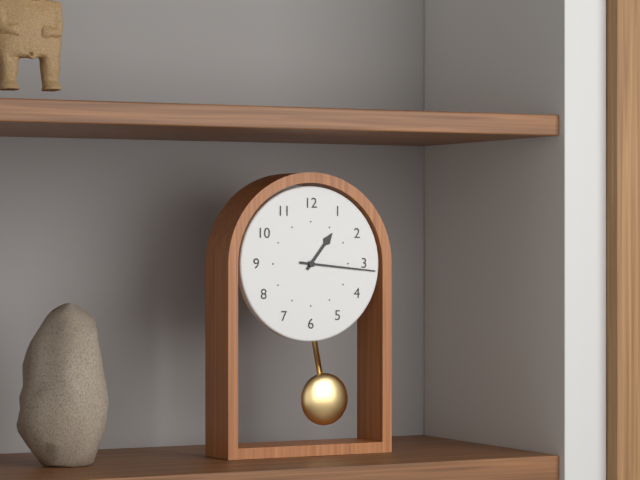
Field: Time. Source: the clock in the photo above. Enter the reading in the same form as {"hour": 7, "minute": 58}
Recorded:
{"hour": 1, "minute": 16}
